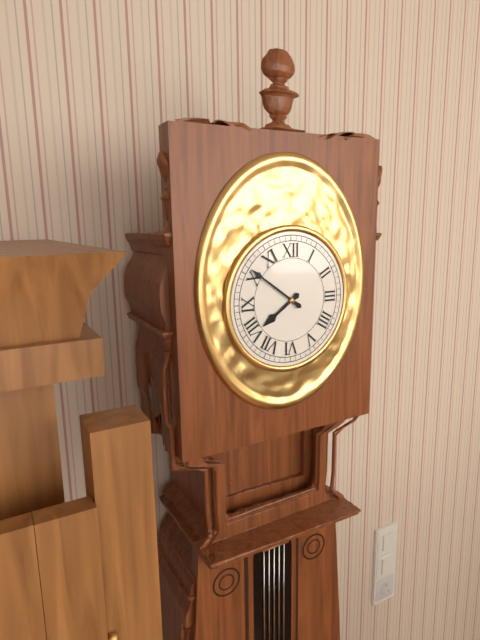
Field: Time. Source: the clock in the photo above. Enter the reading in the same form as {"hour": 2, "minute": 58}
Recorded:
{"hour": 7, "minute": 51}
